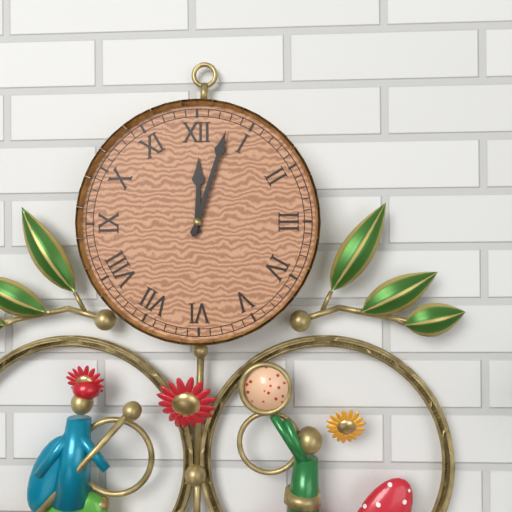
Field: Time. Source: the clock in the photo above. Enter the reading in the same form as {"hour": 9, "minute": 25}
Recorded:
{"hour": 12, "minute": 3}
